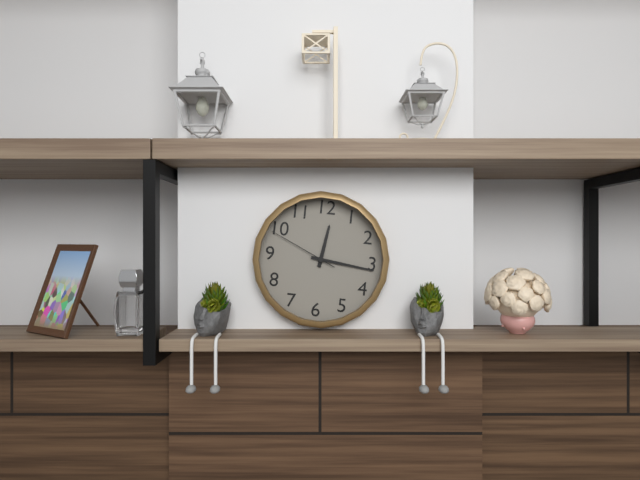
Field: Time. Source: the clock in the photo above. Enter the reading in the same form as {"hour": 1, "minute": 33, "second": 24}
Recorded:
{"hour": 12, "minute": 16, "second": 49}
